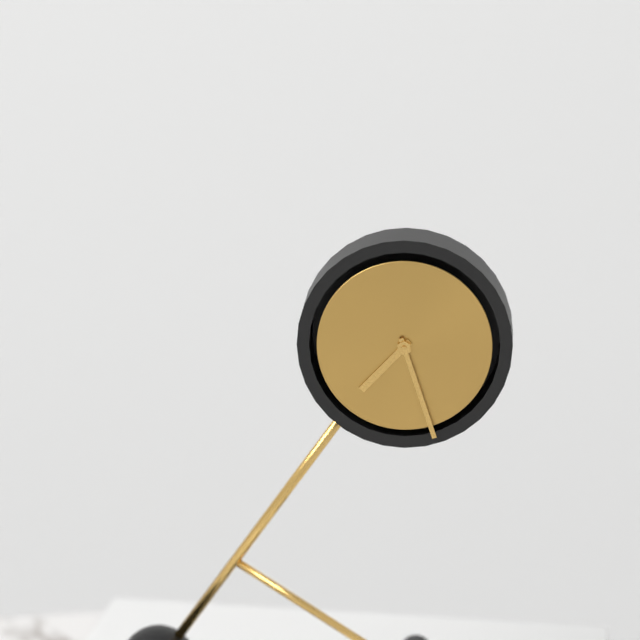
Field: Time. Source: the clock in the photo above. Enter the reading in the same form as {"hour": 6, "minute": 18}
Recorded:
{"hour": 7, "minute": 27}
